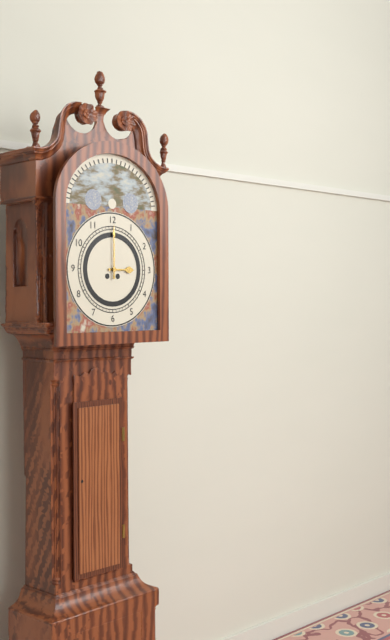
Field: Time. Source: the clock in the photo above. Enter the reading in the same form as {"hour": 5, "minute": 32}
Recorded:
{"hour": 3, "minute": 0}
